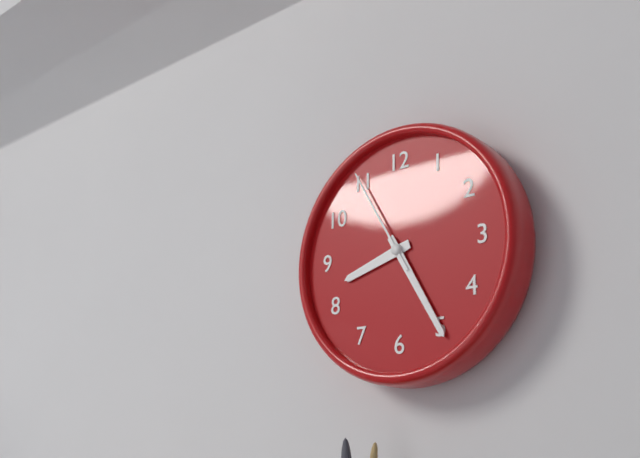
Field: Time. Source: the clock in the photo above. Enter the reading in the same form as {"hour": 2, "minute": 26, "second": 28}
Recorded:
{"hour": 8, "minute": 25, "second": 55}
